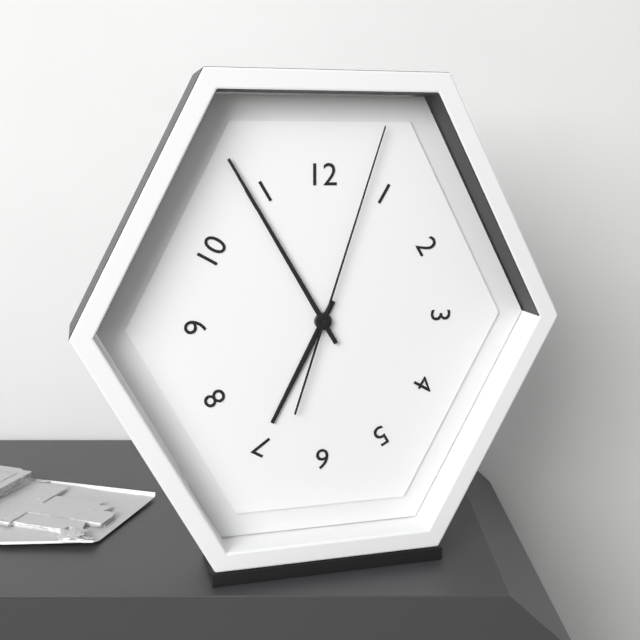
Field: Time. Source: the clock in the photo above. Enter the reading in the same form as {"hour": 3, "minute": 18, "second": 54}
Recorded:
{"hour": 6, "minute": 55, "second": 3}
